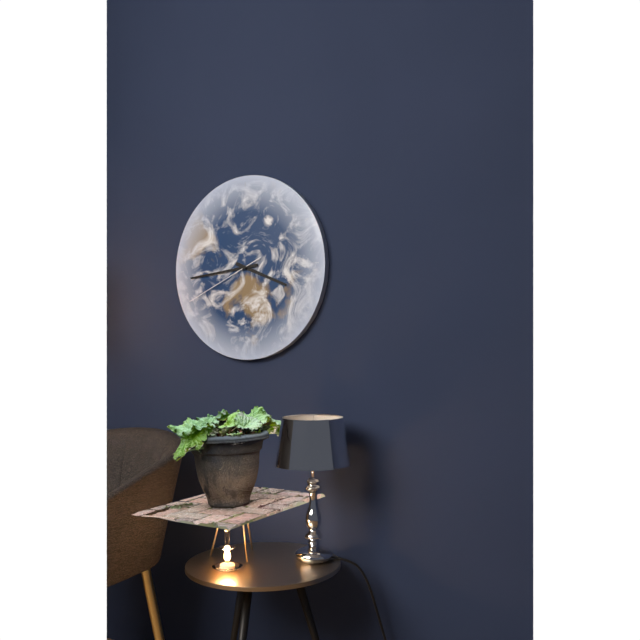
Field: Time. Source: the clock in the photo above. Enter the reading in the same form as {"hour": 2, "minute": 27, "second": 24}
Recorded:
{"hour": 3, "minute": 44, "second": 41}
